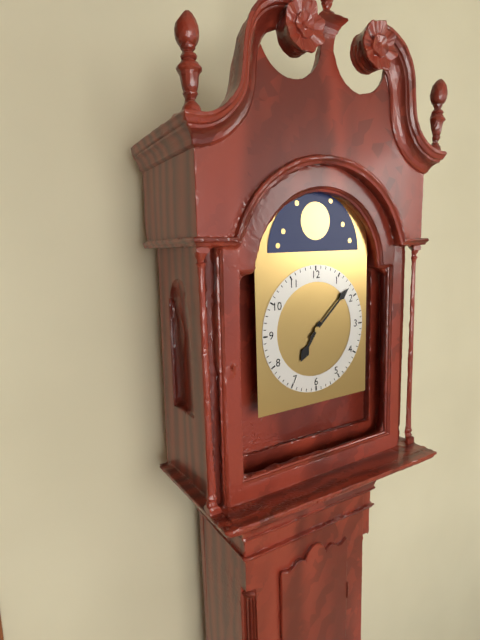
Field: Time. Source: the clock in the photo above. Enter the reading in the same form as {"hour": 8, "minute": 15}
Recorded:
{"hour": 7, "minute": 8}
